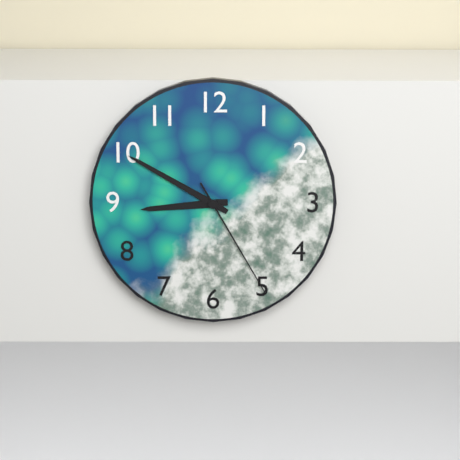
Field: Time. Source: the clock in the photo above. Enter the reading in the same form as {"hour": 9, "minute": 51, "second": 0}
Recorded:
{"hour": 8, "minute": 50, "second": 25}
